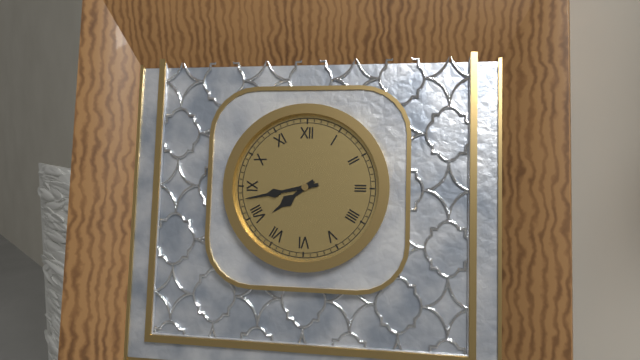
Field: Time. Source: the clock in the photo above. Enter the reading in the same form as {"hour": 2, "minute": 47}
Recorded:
{"hour": 7, "minute": 43}
